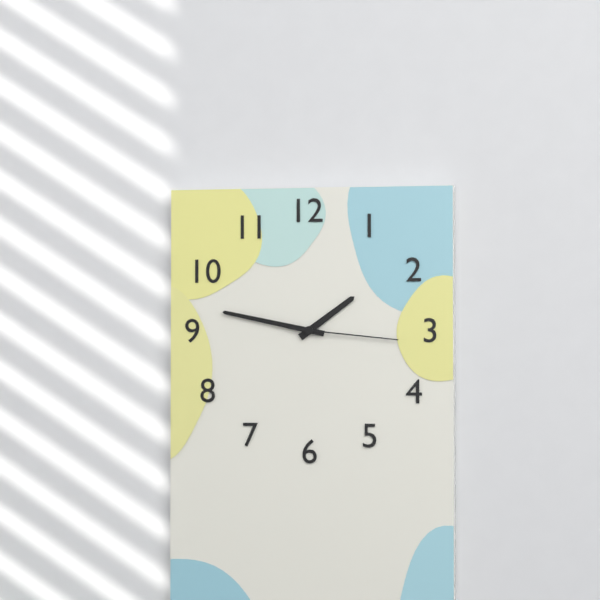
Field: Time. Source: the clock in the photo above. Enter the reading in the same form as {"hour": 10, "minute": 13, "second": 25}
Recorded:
{"hour": 1, "minute": 47, "second": 16}
